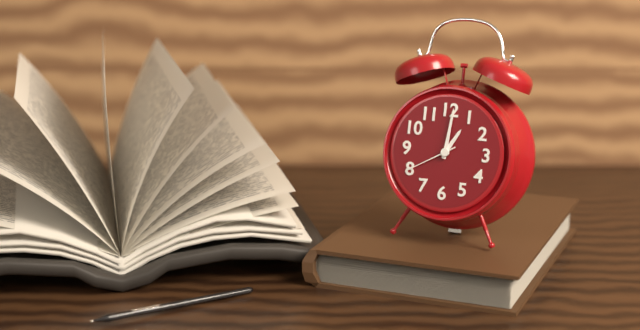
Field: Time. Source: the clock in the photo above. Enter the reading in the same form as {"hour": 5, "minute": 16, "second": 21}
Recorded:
{"hour": 1, "minute": 1, "second": 40}
